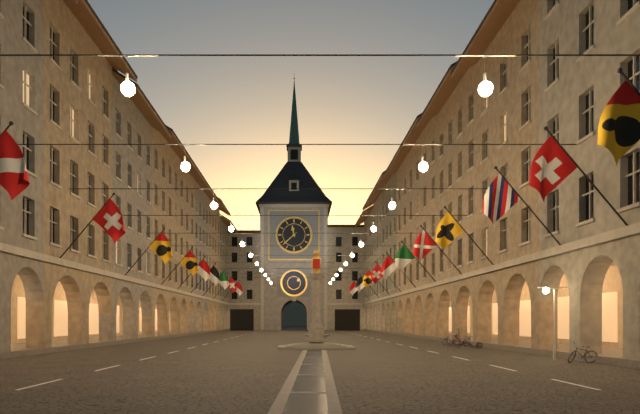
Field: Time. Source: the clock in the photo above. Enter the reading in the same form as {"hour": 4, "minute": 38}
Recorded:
{"hour": 11, "minute": 38}
